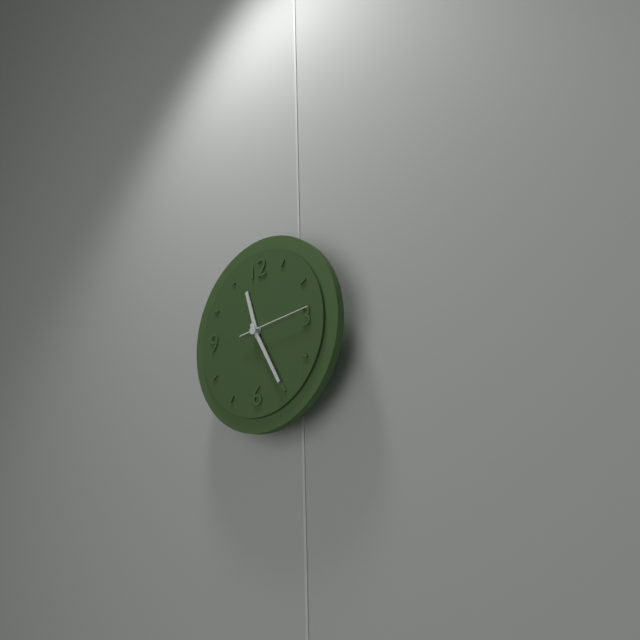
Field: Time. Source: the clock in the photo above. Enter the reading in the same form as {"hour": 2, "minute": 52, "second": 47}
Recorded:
{"hour": 11, "minute": 25, "second": 14}
